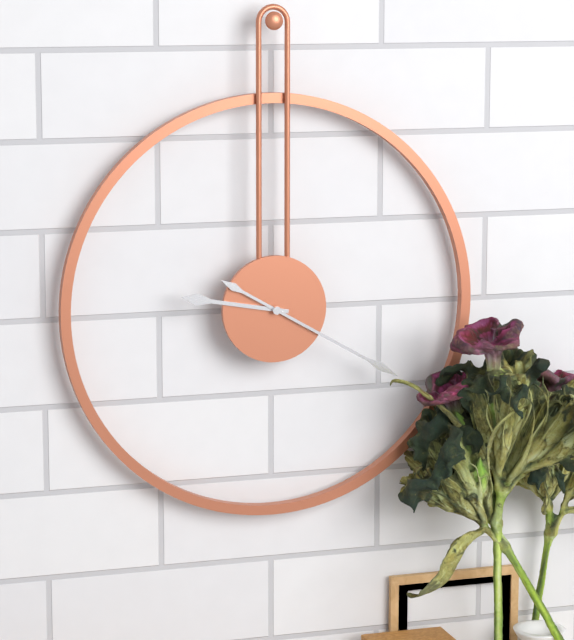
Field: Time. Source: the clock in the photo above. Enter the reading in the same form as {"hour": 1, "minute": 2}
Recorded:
{"hour": 9, "minute": 20}
